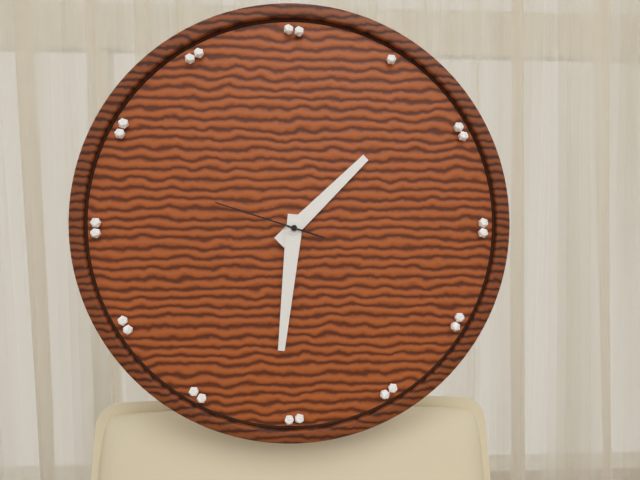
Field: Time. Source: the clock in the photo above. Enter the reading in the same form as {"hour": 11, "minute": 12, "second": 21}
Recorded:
{"hour": 1, "minute": 31, "second": 48}
